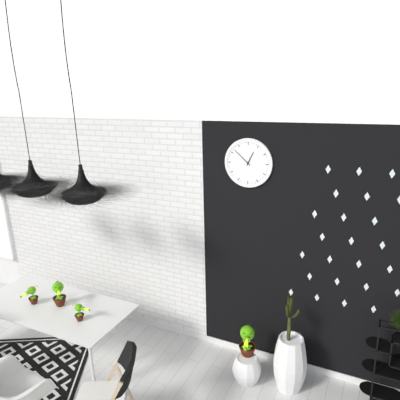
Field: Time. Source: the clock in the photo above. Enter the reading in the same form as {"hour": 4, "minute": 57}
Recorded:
{"hour": 12, "minute": 52}
